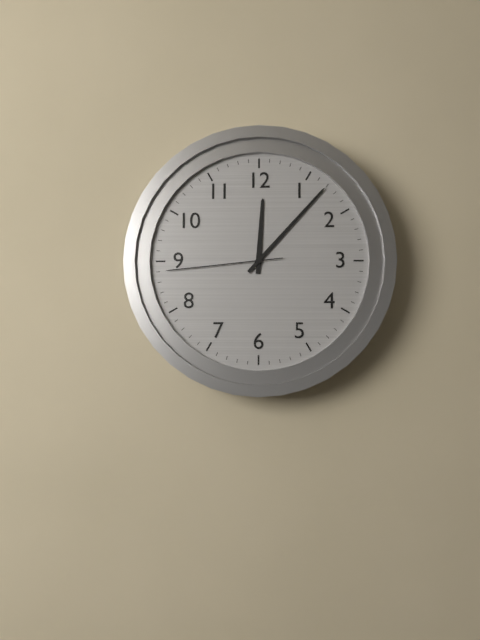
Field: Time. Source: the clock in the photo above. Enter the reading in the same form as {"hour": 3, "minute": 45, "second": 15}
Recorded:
{"hour": 12, "minute": 7, "second": 44}
